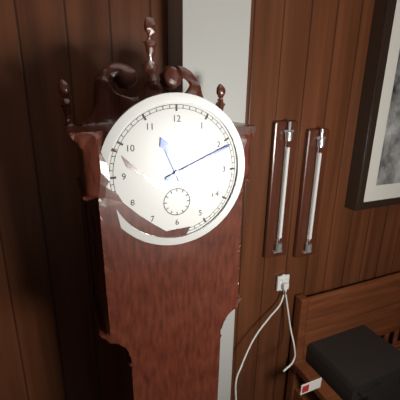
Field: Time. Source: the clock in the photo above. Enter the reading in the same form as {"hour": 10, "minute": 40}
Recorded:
{"hour": 11, "minute": 11}
